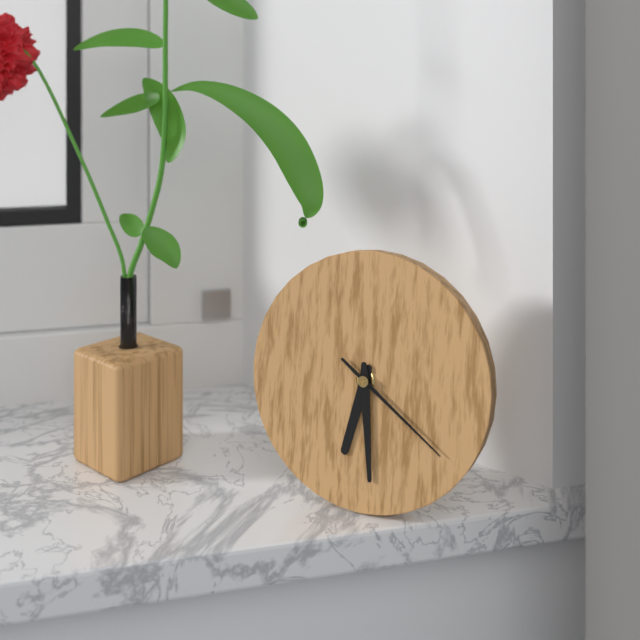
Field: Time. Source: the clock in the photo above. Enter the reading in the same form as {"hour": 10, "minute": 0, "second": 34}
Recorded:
{"hour": 6, "minute": 29, "second": 21}
